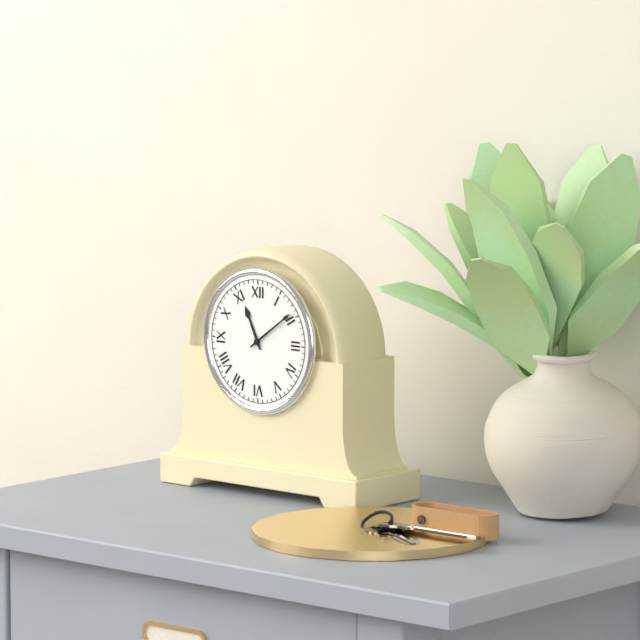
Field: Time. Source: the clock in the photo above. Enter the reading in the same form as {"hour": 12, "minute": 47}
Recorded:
{"hour": 11, "minute": 9}
